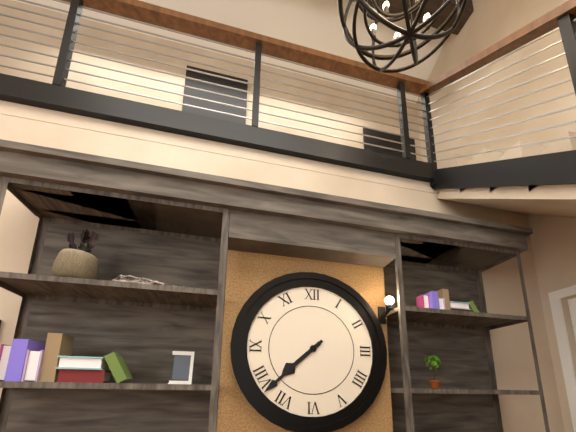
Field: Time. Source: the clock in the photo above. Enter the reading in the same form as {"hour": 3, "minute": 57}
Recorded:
{"hour": 7, "minute": 38}
